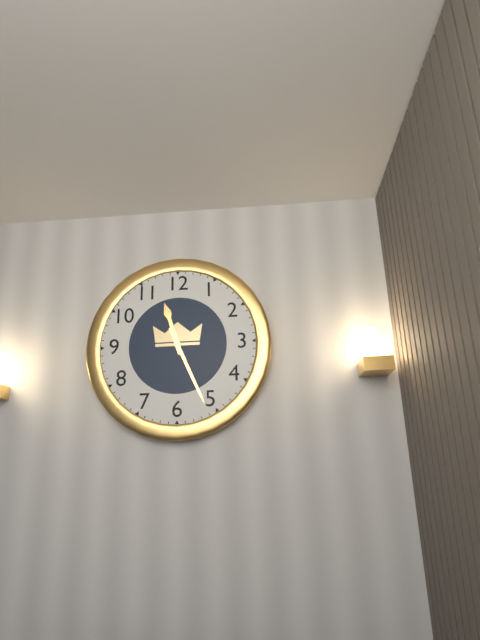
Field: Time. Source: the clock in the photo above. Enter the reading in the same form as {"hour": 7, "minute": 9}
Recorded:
{"hour": 11, "minute": 26}
